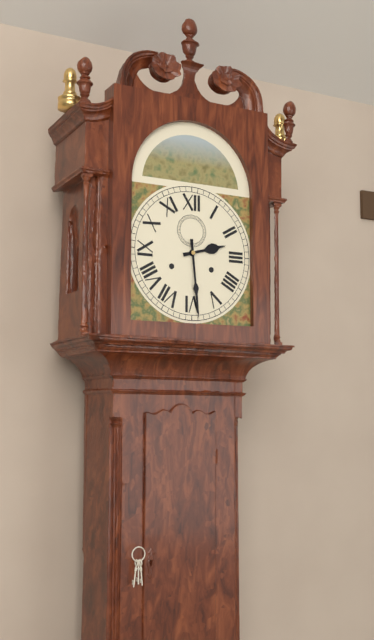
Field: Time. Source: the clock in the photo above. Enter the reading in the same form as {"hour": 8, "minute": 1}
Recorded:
{"hour": 2, "minute": 29}
